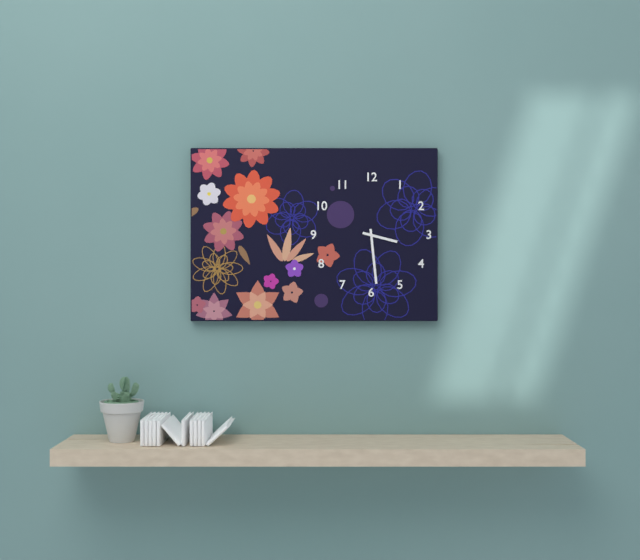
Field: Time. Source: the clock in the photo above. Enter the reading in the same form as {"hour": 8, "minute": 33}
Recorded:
{"hour": 3, "minute": 29}
